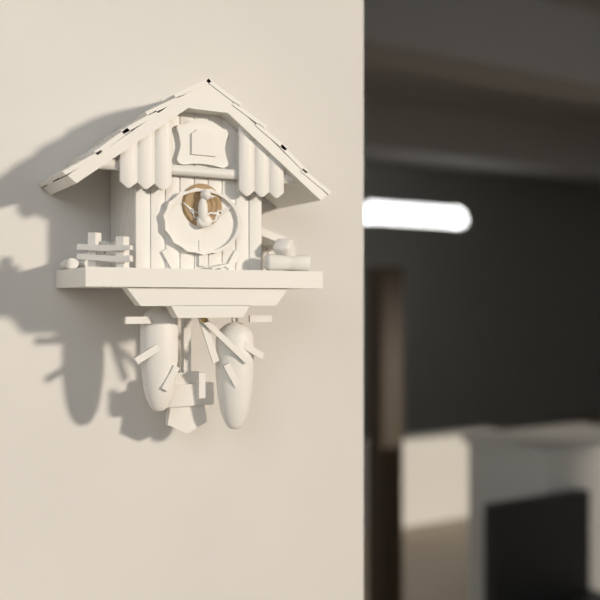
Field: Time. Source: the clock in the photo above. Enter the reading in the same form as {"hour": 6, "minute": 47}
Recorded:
{"hour": 5, "minute": 22}
